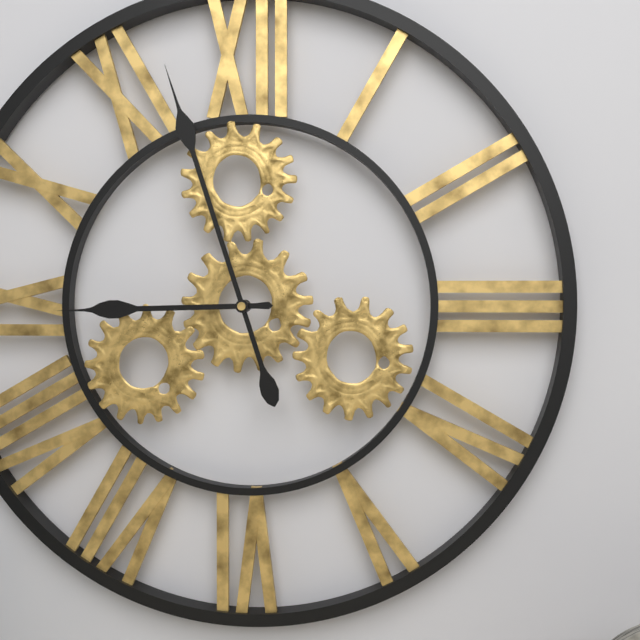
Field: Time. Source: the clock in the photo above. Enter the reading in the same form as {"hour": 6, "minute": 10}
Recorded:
{"hour": 8, "minute": 57}
